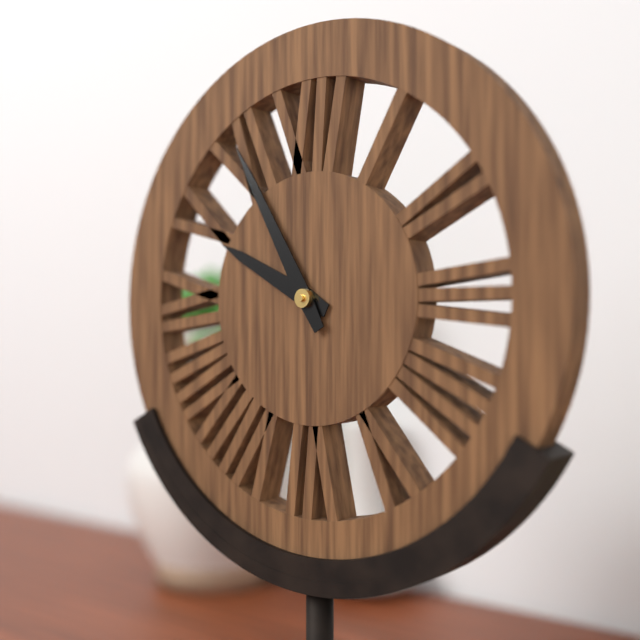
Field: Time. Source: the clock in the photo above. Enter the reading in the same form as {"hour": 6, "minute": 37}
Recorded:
{"hour": 9, "minute": 55}
